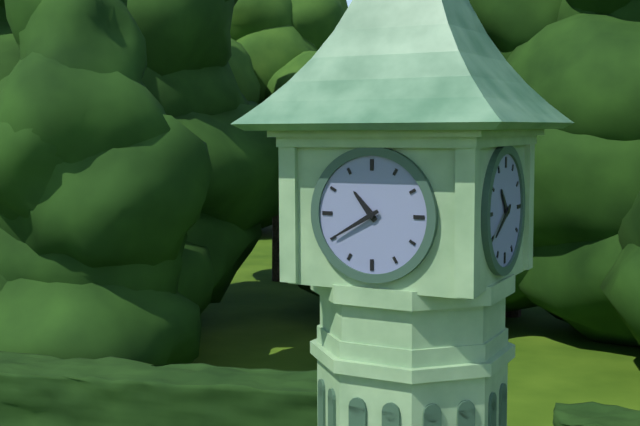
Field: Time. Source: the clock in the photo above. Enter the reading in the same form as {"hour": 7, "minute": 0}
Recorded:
{"hour": 10, "minute": 40}
